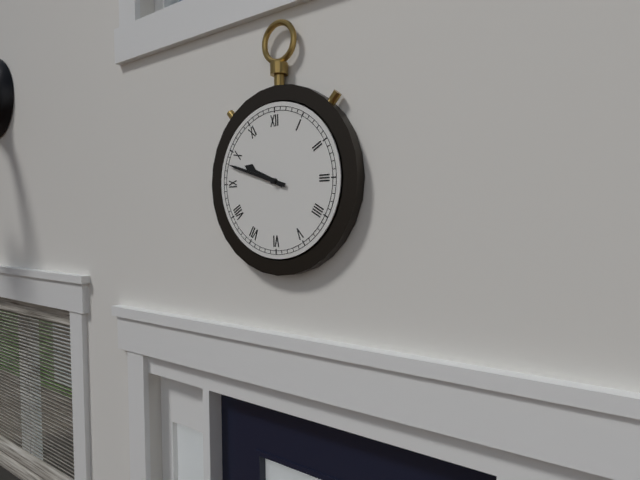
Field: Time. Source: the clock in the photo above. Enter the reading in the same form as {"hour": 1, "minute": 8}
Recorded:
{"hour": 9, "minute": 48}
